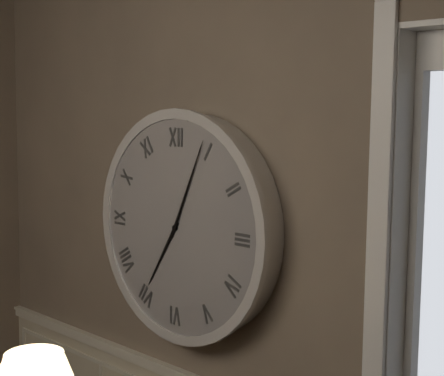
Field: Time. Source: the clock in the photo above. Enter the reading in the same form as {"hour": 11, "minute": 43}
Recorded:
{"hour": 7, "minute": 4}
